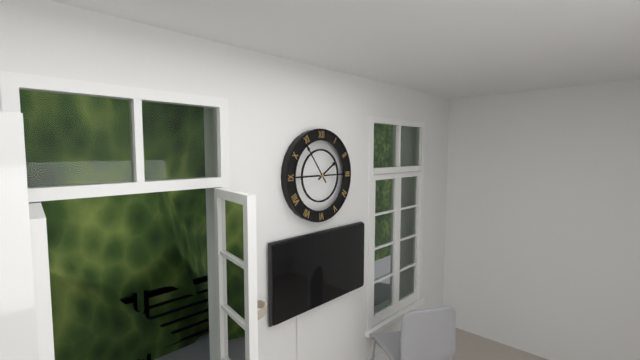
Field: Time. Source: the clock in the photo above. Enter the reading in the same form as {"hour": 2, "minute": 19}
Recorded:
{"hour": 1, "minute": 54}
